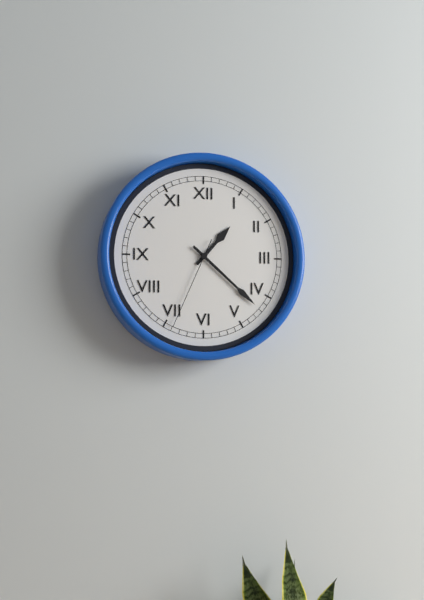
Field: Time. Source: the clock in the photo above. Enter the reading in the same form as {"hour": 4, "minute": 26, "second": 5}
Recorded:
{"hour": 1, "minute": 22, "second": 34}
